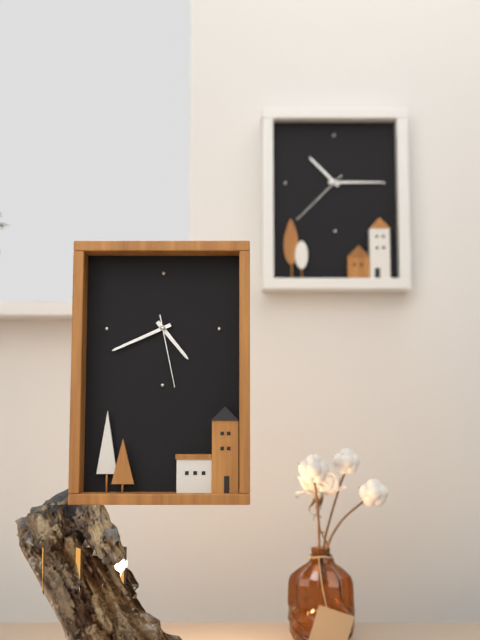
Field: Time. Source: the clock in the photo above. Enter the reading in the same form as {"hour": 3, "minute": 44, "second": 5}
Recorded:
{"hour": 4, "minute": 41, "second": 28}
